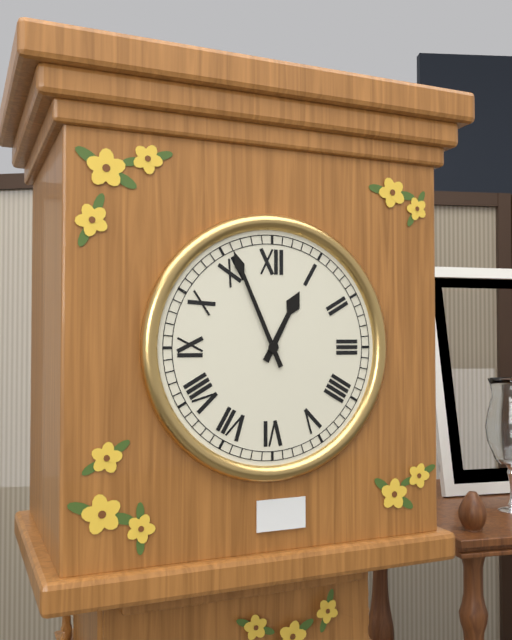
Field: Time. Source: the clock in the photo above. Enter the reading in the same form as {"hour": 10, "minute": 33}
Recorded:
{"hour": 12, "minute": 56}
